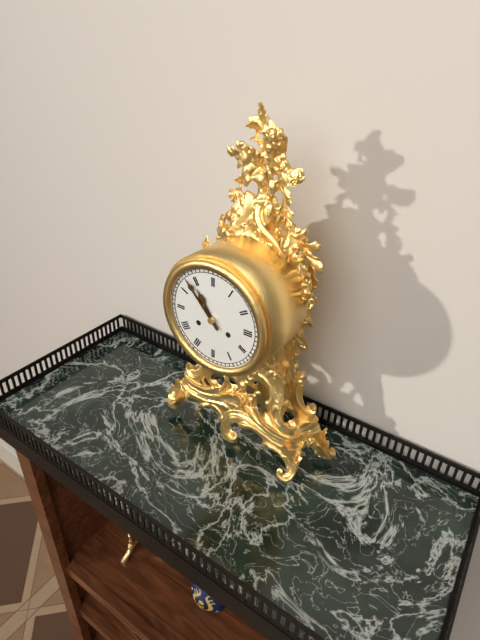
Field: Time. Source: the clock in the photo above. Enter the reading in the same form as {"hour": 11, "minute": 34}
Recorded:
{"hour": 10, "minute": 53}
